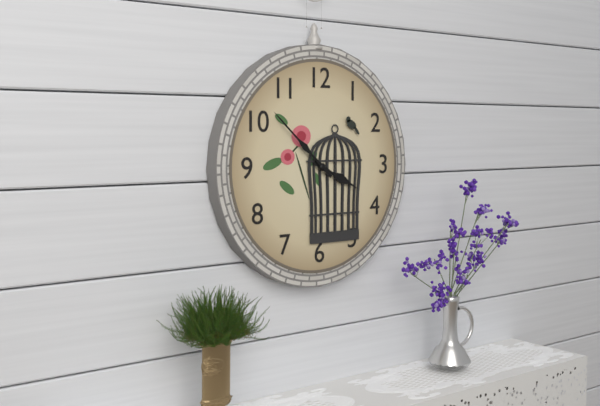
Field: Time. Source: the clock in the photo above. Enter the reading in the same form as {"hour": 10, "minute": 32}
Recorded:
{"hour": 3, "minute": 52}
